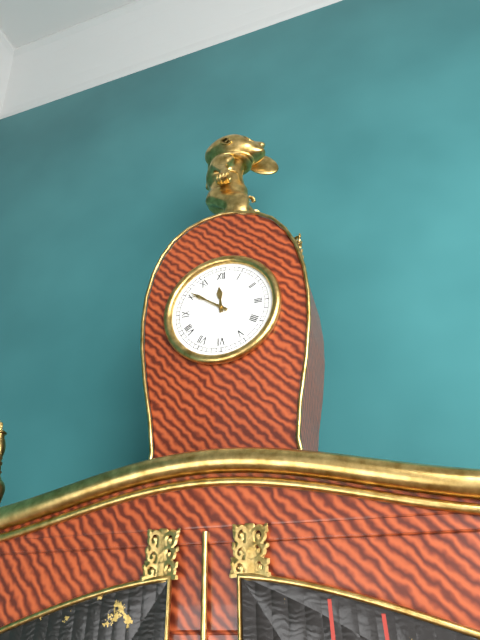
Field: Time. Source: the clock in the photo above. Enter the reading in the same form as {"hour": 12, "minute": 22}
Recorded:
{"hour": 11, "minute": 51}
